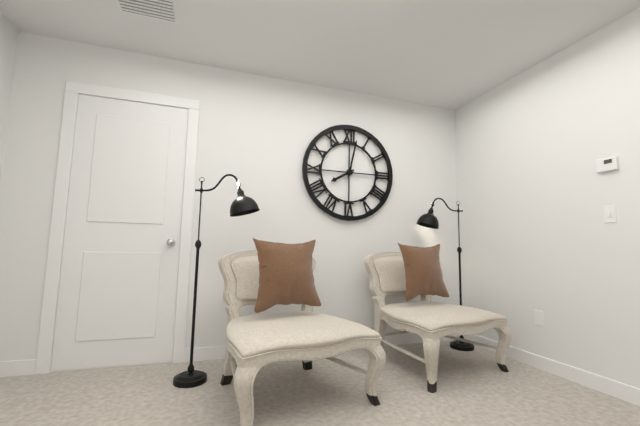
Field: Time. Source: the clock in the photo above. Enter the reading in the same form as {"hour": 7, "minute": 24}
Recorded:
{"hour": 8, "minute": 2}
